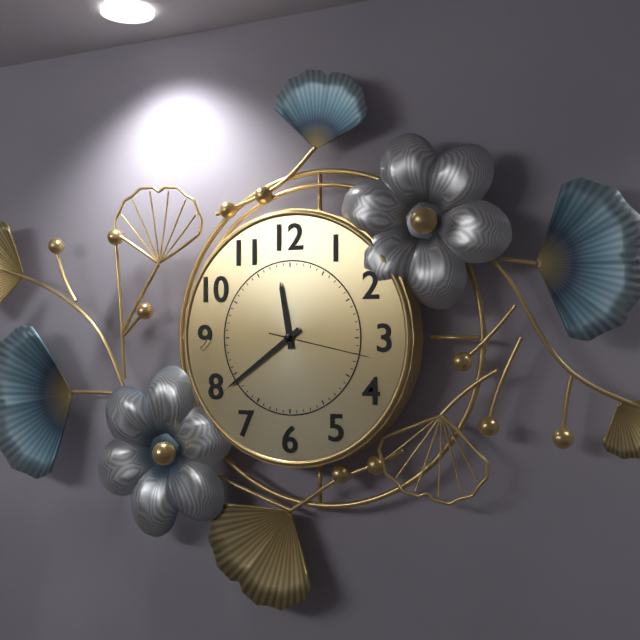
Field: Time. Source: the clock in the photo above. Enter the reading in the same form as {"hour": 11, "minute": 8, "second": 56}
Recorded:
{"hour": 11, "minute": 39, "second": 17}
